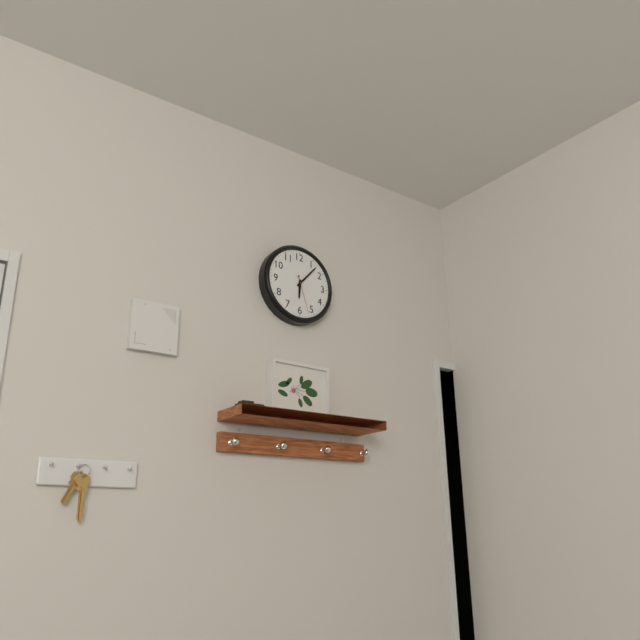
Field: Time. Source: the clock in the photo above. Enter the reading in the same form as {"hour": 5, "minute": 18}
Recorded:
{"hour": 6, "minute": 7}
